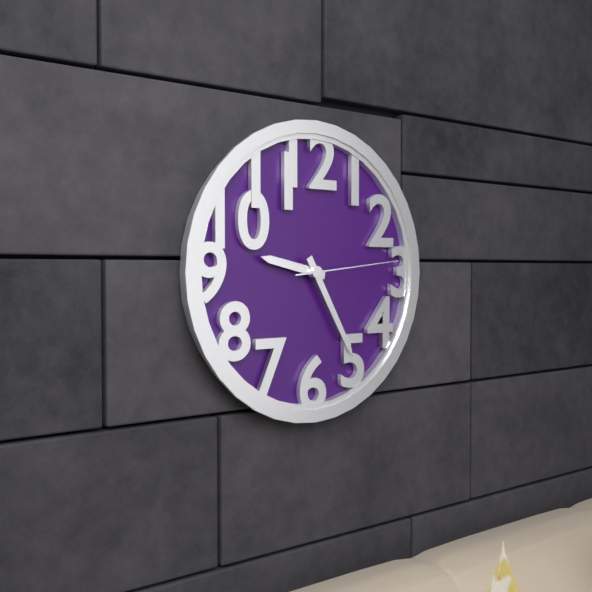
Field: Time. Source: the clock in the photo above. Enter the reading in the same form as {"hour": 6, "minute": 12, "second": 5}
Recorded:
{"hour": 9, "minute": 25, "second": 14}
